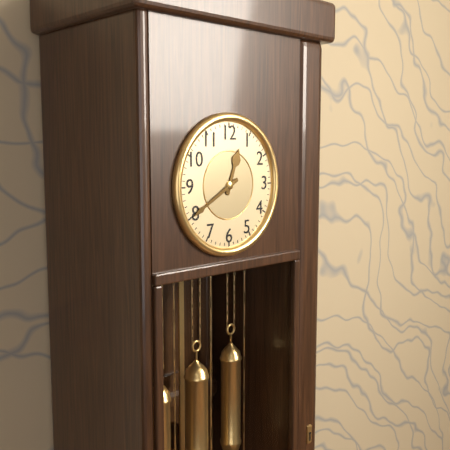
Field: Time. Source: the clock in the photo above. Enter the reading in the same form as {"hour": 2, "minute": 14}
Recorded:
{"hour": 12, "minute": 40}
